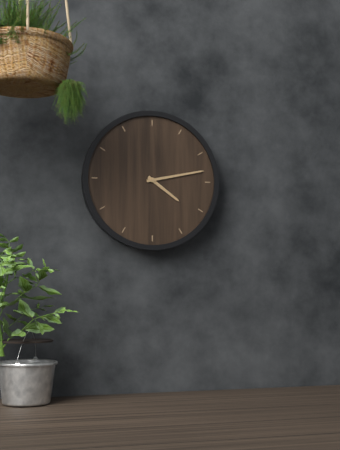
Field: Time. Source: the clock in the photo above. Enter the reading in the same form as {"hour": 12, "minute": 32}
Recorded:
{"hour": 4, "minute": 13}
